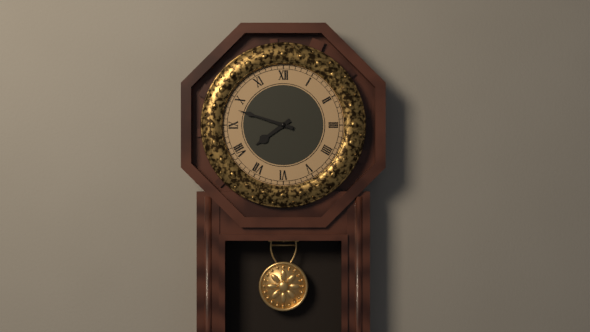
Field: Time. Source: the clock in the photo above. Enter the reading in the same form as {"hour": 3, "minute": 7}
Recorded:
{"hour": 7, "minute": 48}
